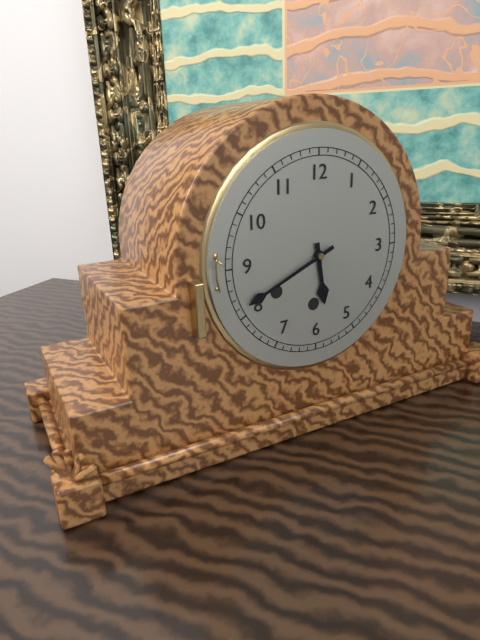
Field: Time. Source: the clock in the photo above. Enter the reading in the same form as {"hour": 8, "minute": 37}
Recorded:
{"hour": 5, "minute": 41}
